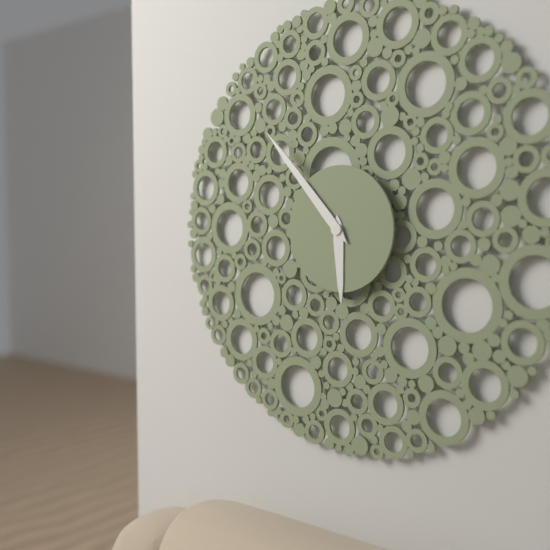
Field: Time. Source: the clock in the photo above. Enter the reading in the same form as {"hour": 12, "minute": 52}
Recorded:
{"hour": 5, "minute": 53}
